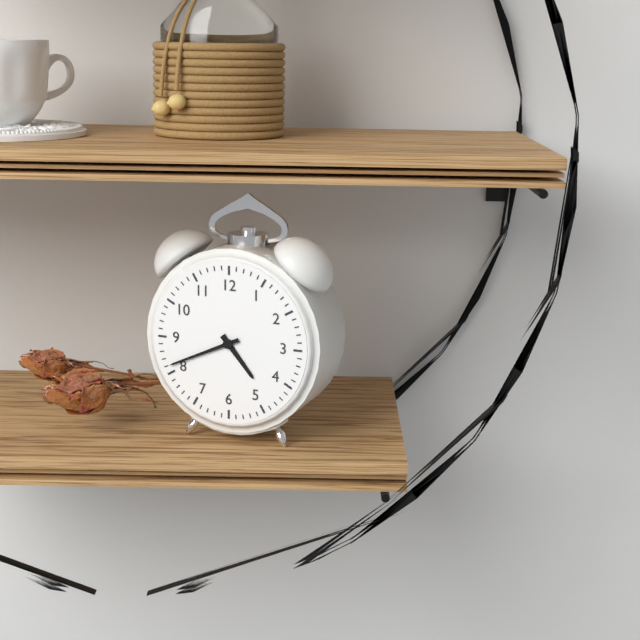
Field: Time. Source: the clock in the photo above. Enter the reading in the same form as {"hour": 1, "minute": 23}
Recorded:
{"hour": 4, "minute": 41}
